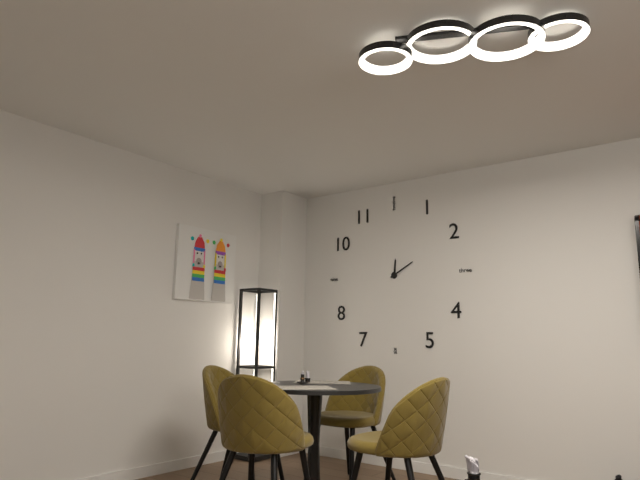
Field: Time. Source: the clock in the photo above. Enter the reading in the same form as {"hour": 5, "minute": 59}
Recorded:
{"hour": 12, "minute": 10}
